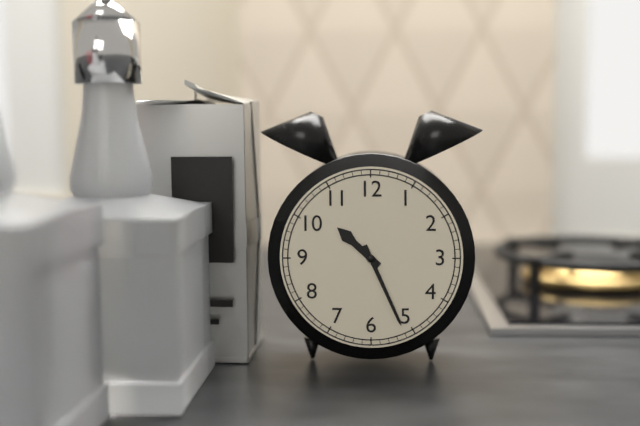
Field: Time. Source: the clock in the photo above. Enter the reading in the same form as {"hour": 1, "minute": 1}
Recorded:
{"hour": 10, "minute": 26}
